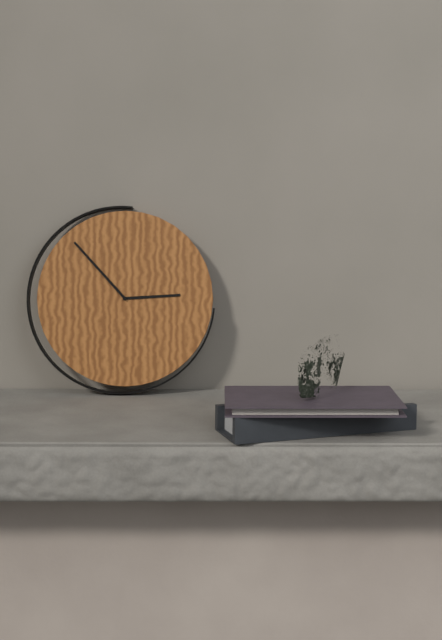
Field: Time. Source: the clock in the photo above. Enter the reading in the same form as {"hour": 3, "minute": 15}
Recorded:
{"hour": 2, "minute": 53}
